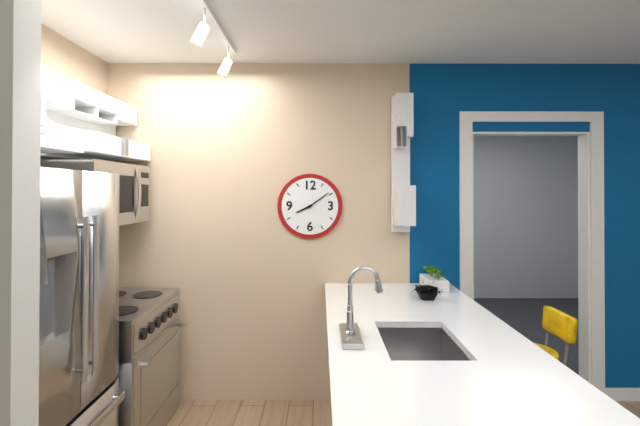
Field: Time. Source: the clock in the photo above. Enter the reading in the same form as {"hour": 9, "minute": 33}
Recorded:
{"hour": 8, "minute": 9}
